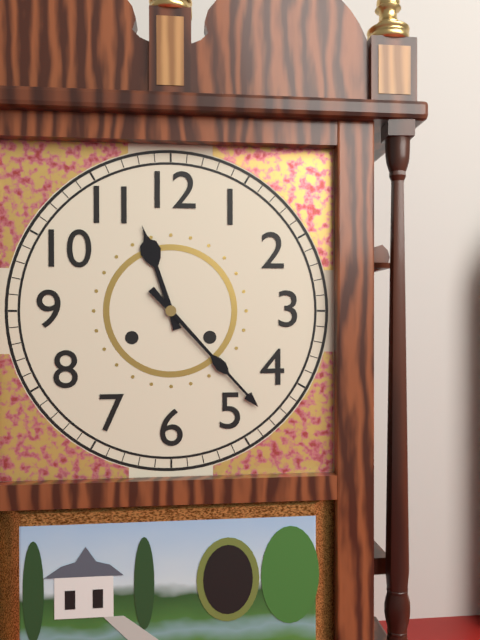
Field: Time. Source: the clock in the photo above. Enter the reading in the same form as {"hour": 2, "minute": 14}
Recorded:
{"hour": 11, "minute": 23}
